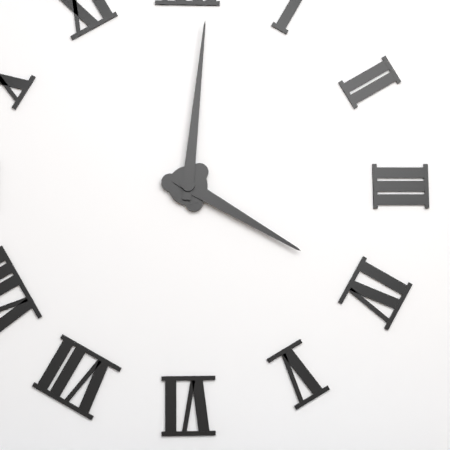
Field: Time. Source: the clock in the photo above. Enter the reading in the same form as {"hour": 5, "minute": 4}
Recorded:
{"hour": 4, "minute": 1}
